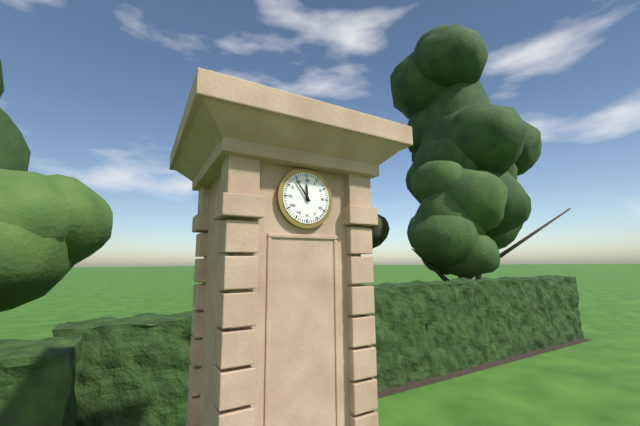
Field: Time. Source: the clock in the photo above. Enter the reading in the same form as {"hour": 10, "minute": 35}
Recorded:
{"hour": 11, "minute": 54}
